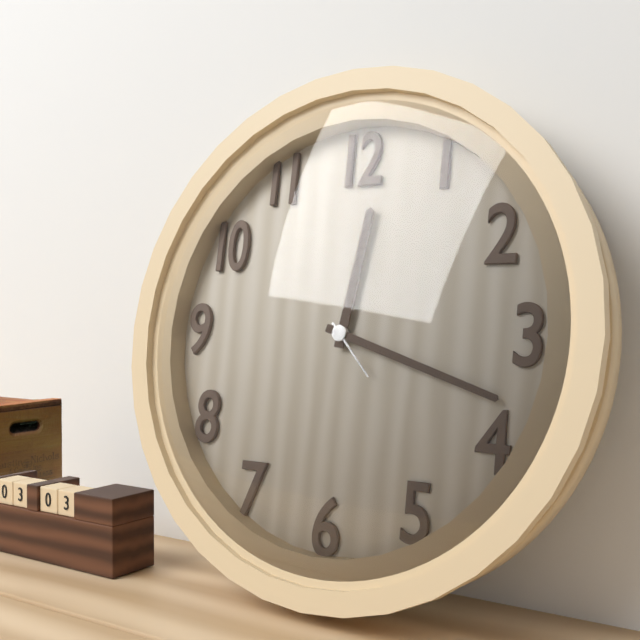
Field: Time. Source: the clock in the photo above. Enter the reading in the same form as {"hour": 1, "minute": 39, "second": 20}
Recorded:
{"hour": 12, "minute": 18, "second": 23}
